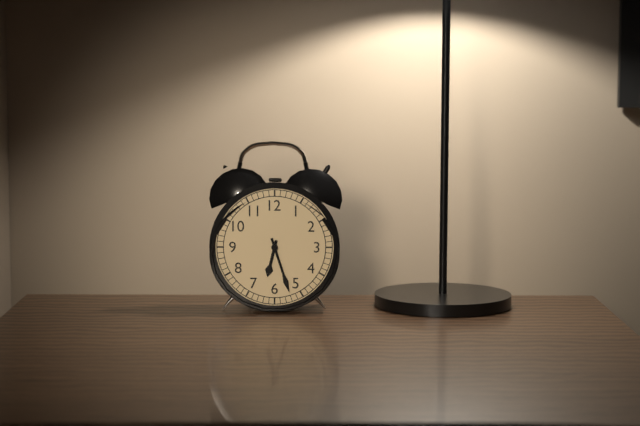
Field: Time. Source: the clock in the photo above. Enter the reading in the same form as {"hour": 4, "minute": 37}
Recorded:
{"hour": 6, "minute": 27}
